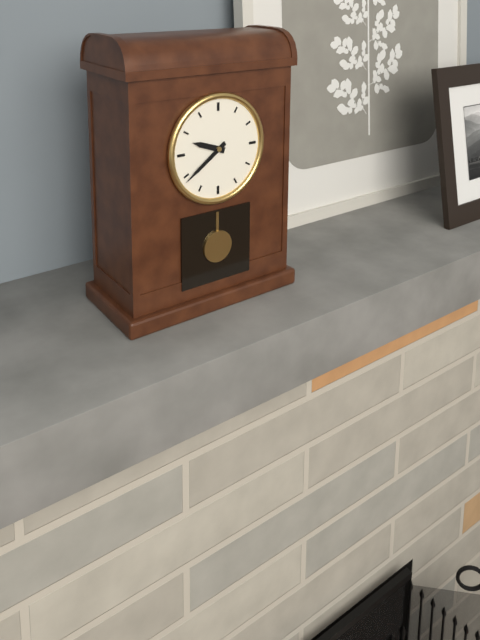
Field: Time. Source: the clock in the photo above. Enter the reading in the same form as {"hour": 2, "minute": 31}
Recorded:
{"hour": 9, "minute": 39}
